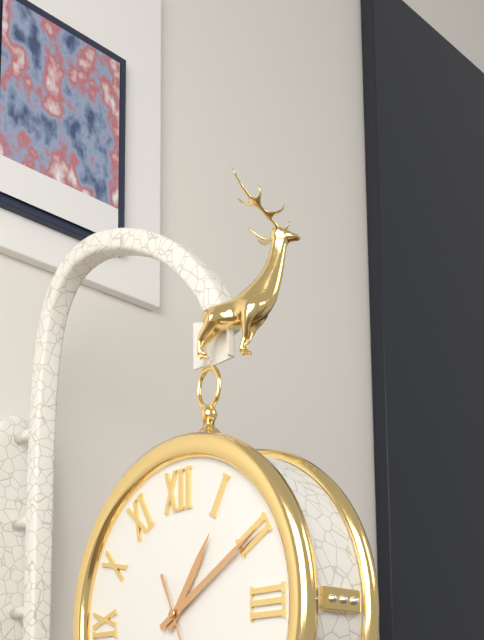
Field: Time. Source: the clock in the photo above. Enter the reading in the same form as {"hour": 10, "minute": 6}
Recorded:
{"hour": 1, "minute": 10}
